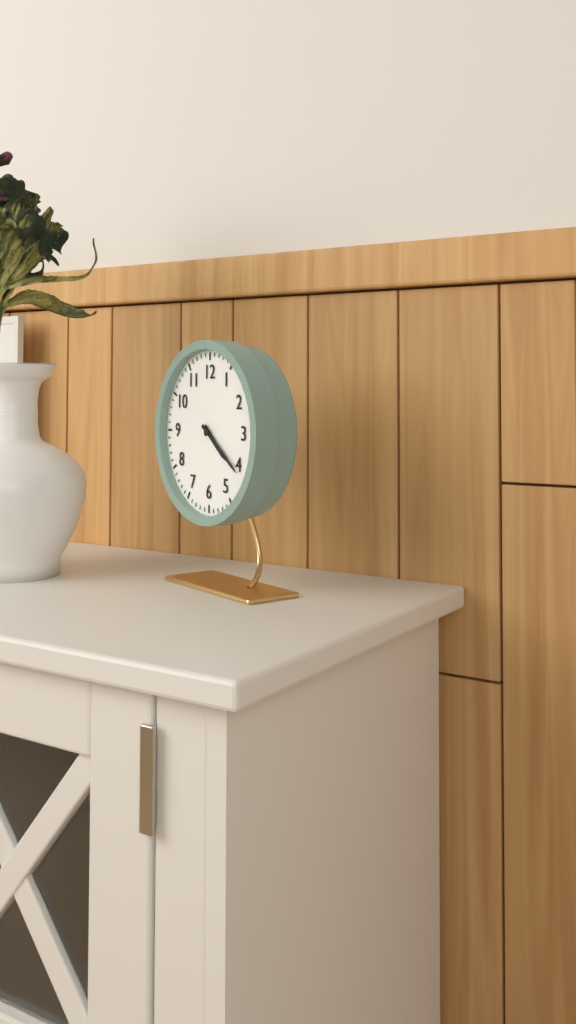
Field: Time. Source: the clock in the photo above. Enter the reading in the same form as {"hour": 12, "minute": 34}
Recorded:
{"hour": 4, "minute": 21}
